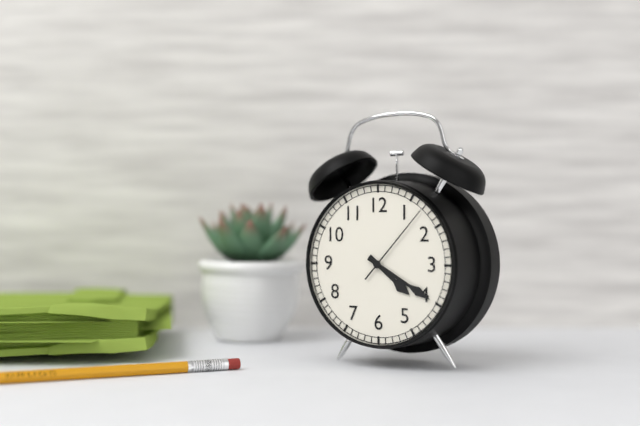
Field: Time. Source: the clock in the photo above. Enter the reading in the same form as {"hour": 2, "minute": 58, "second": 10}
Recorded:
{"hour": 4, "minute": 20, "second": 7}
